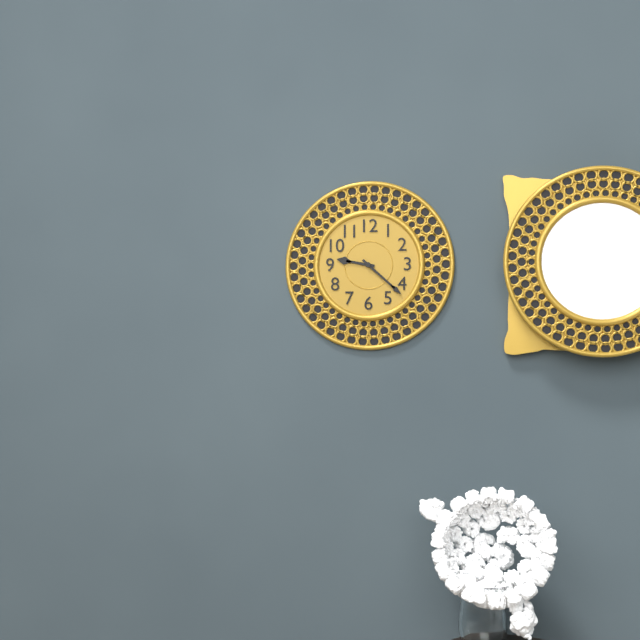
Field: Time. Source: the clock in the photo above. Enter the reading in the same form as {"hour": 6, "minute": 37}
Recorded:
{"hour": 9, "minute": 22}
